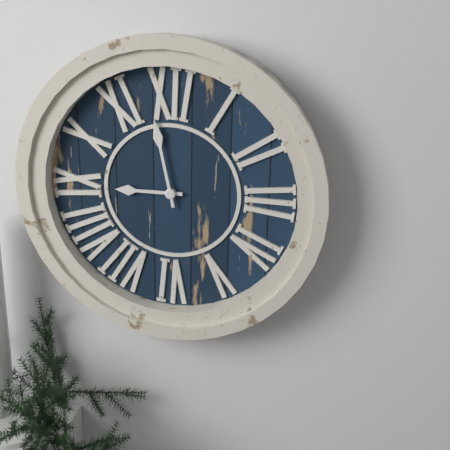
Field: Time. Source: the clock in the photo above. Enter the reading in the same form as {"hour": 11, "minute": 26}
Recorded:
{"hour": 8, "minute": 58}
